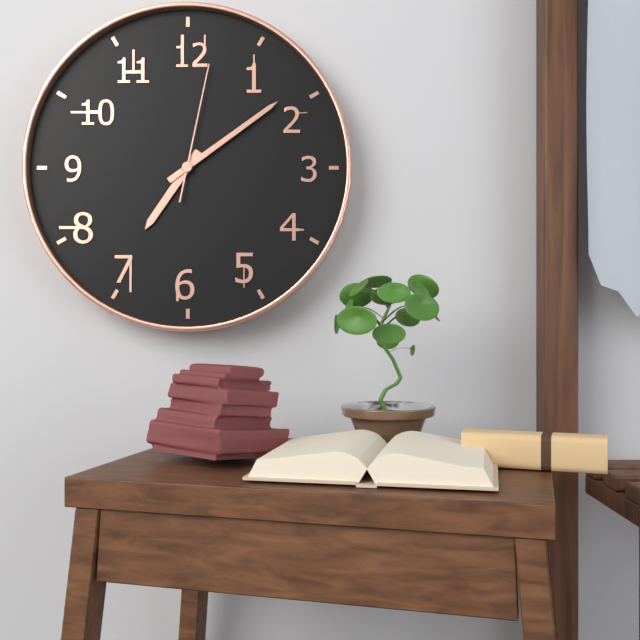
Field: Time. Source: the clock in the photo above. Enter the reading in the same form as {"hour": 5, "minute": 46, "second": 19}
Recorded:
{"hour": 7, "minute": 9, "second": 2}
